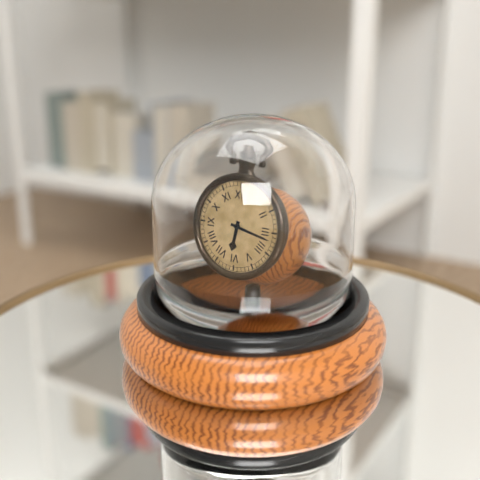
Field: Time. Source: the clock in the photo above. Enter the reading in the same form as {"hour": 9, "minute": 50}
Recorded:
{"hour": 6, "minute": 17}
